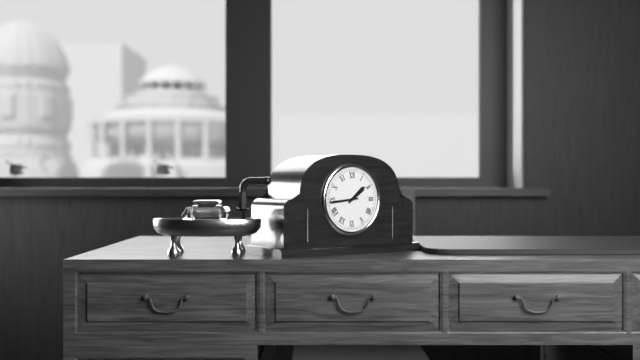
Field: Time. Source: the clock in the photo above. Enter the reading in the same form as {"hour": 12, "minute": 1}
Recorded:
{"hour": 1, "minute": 44}
